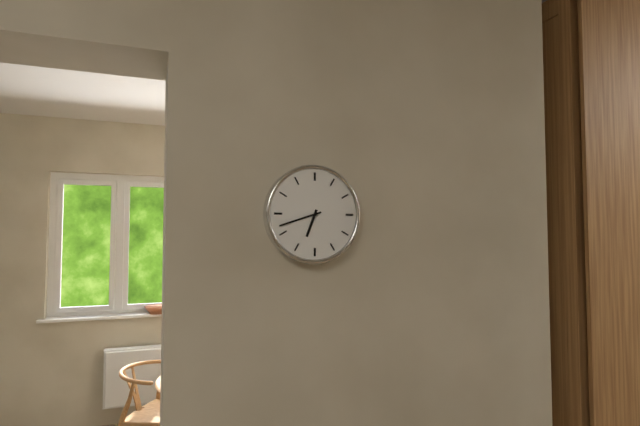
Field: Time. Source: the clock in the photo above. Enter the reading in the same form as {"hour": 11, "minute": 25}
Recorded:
{"hour": 6, "minute": 42}
